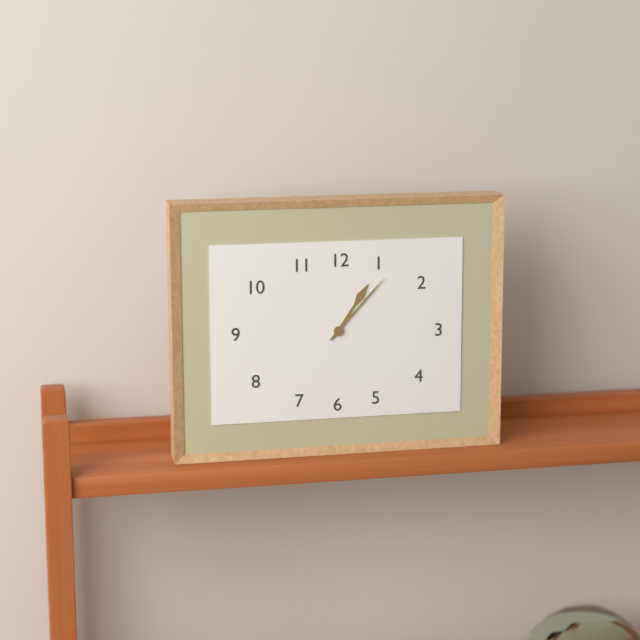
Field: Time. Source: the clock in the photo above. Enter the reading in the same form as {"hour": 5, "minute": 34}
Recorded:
{"hour": 1, "minute": 7}
